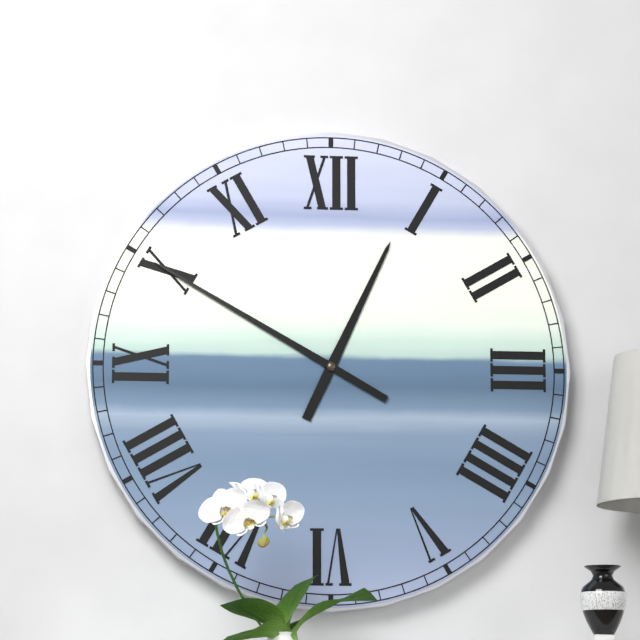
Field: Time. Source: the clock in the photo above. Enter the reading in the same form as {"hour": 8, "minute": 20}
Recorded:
{"hour": 12, "minute": 50}
